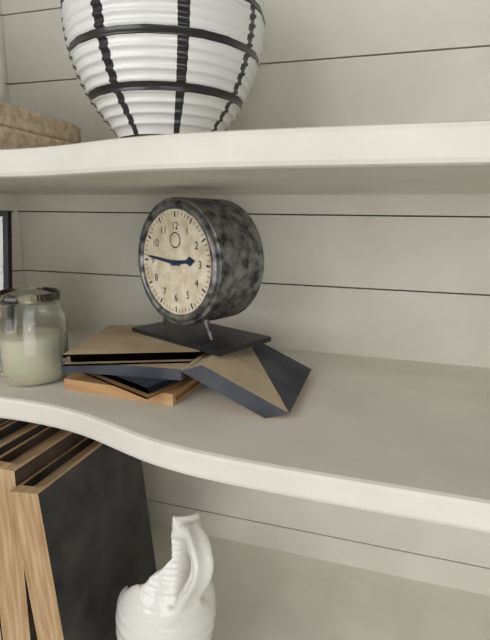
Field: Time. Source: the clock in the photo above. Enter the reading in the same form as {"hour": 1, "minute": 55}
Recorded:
{"hour": 2, "minute": 46}
